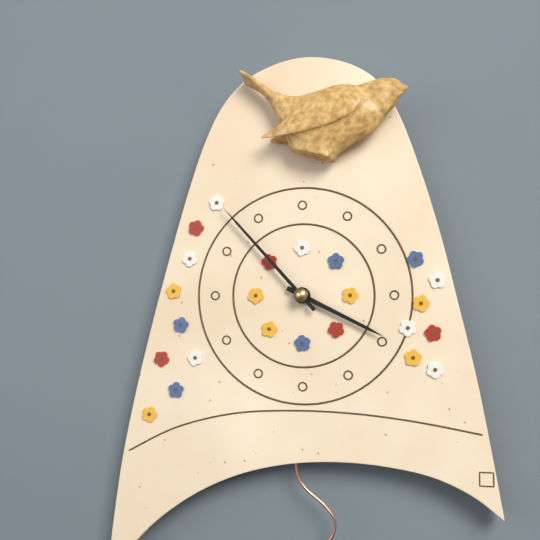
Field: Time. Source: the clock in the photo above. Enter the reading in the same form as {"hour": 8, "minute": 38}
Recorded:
{"hour": 3, "minute": 53}
